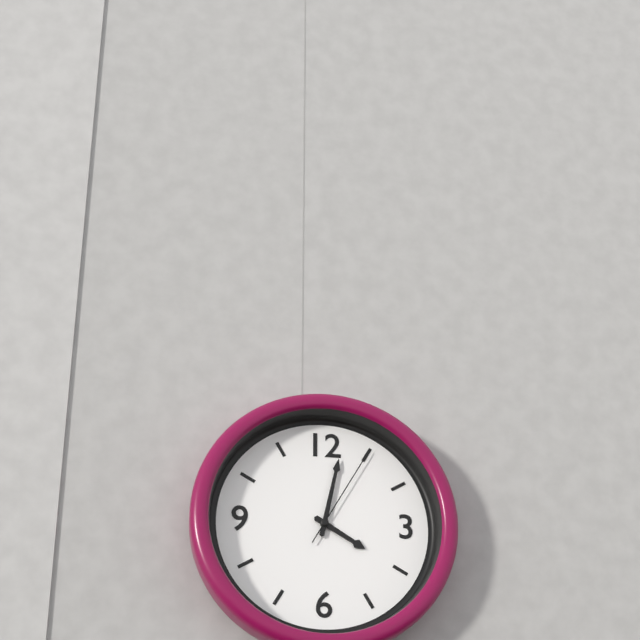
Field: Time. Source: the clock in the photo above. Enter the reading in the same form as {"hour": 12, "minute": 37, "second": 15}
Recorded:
{"hour": 4, "minute": 2, "second": 5}
